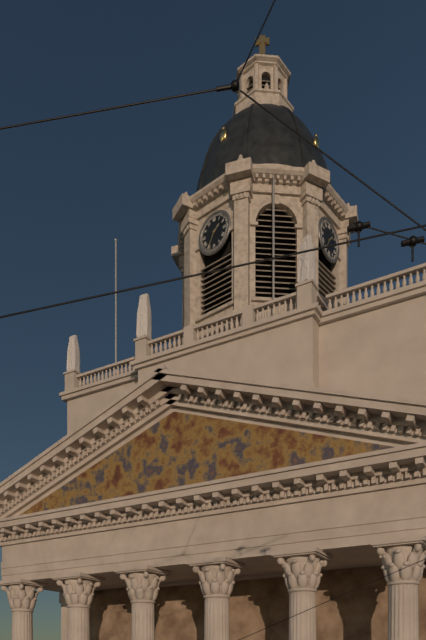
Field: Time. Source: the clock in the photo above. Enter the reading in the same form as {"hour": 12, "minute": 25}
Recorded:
{"hour": 1, "minute": 35}
